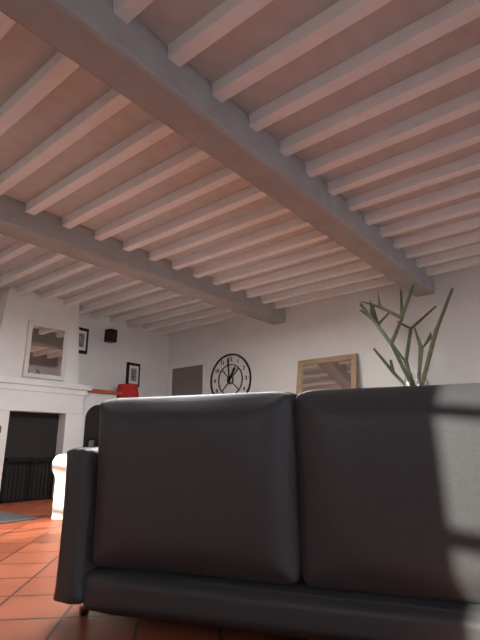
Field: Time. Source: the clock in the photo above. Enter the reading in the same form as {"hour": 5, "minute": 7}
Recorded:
{"hour": 12, "minute": 59}
